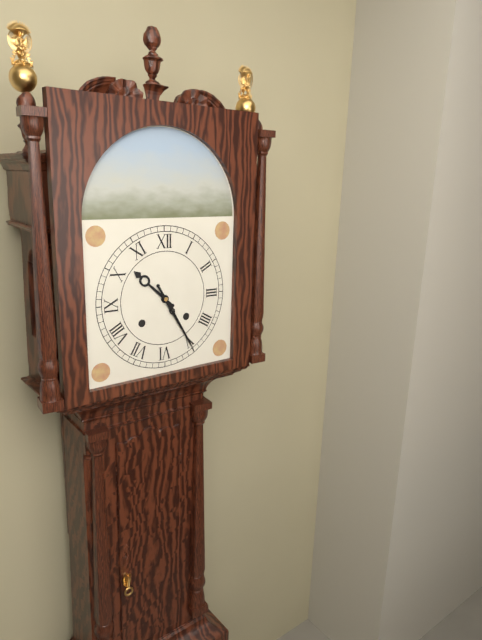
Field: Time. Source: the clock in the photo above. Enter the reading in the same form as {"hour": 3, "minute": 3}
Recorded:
{"hour": 10, "minute": 25}
